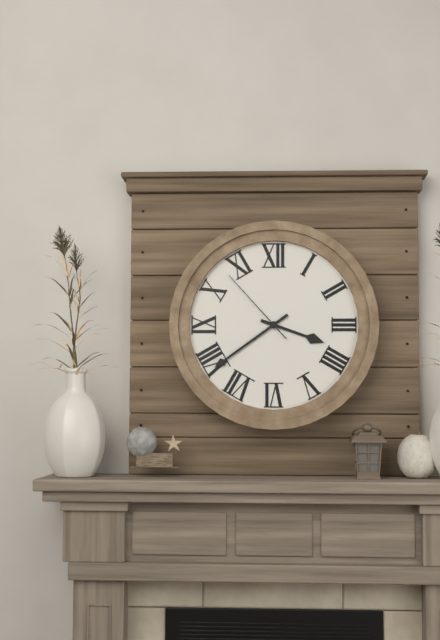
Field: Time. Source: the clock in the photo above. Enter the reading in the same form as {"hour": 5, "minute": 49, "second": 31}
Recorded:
{"hour": 3, "minute": 39, "second": 53}
